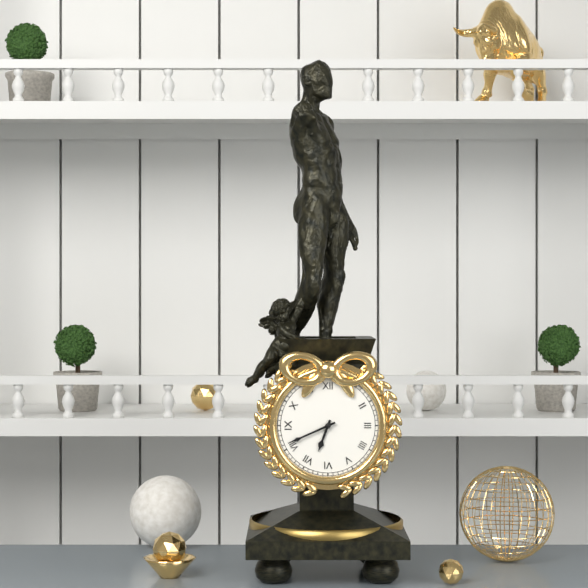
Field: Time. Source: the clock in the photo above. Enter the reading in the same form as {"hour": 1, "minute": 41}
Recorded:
{"hour": 6, "minute": 41}
